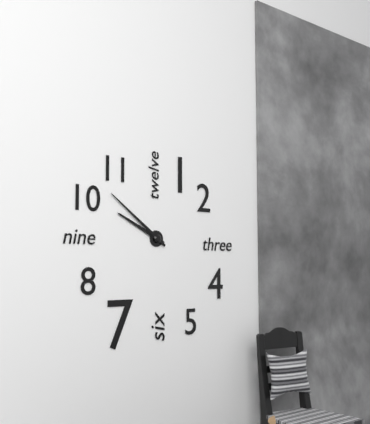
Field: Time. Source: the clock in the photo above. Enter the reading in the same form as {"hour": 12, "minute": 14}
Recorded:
{"hour": 9, "minute": 51}
